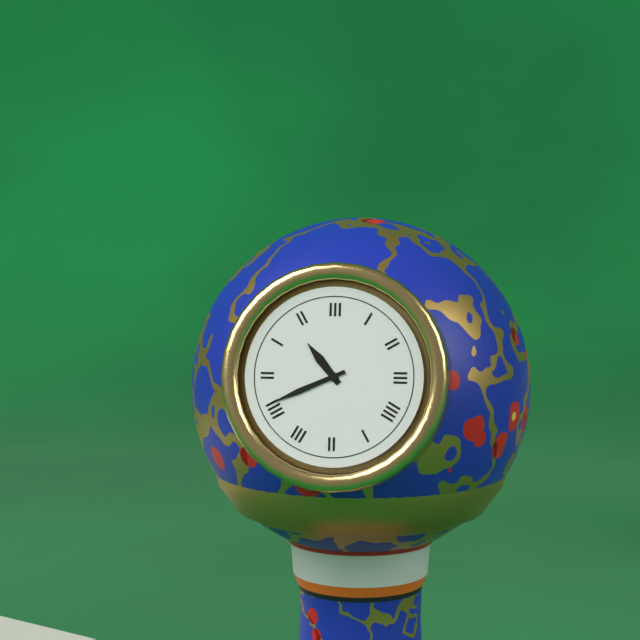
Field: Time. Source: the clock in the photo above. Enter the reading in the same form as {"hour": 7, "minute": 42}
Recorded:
{"hour": 10, "minute": 41}
